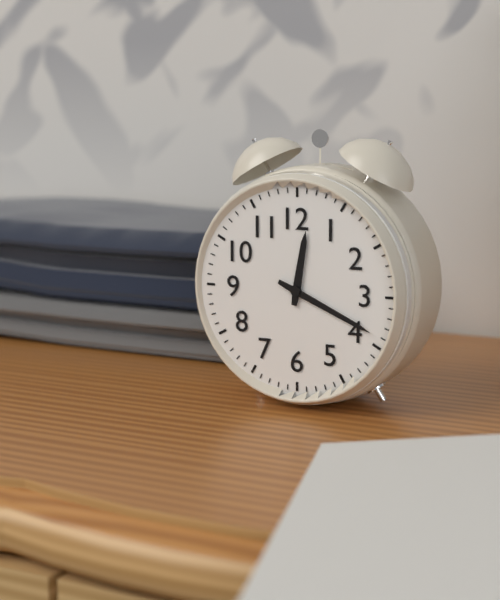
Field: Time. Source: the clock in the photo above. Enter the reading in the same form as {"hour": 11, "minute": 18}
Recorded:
{"hour": 12, "minute": 19}
